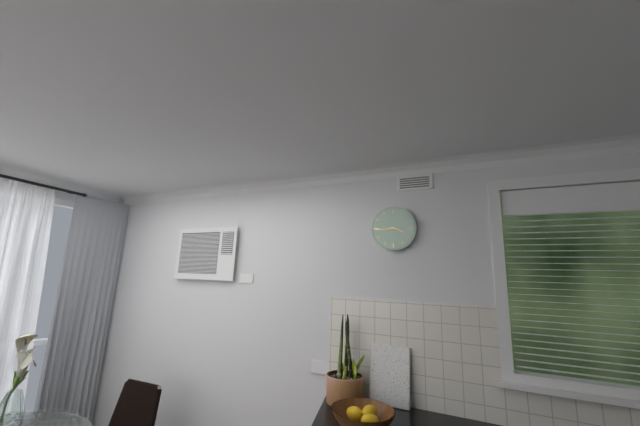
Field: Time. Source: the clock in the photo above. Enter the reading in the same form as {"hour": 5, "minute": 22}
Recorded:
{"hour": 3, "minute": 44}
